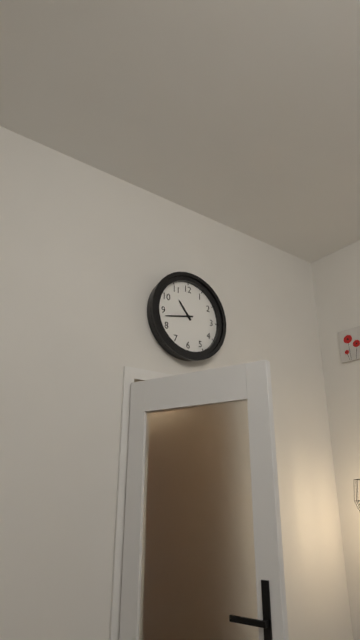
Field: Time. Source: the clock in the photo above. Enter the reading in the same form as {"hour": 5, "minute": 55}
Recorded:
{"hour": 10, "minute": 43}
